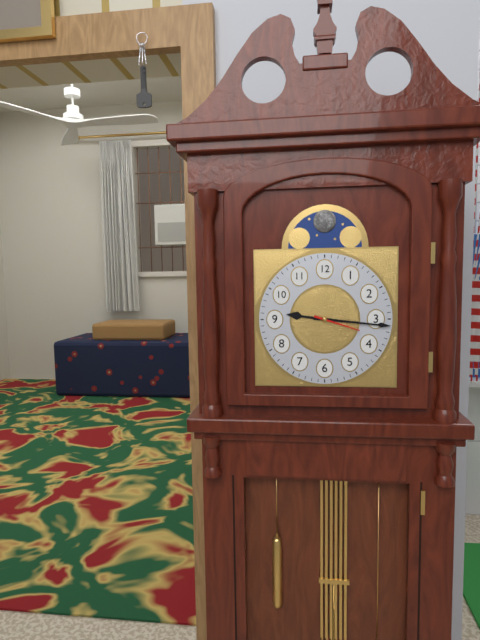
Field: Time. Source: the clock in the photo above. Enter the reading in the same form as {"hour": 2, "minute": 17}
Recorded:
{"hour": 9, "minute": 16}
